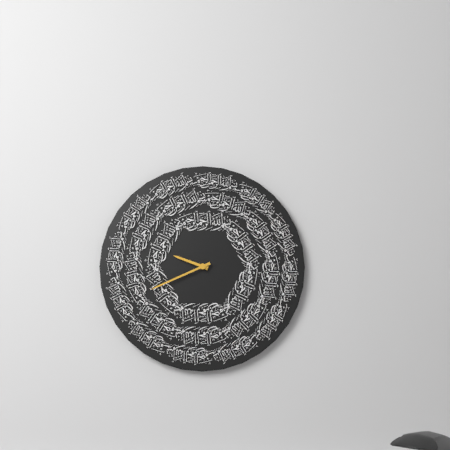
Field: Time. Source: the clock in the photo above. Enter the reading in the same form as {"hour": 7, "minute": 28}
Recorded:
{"hour": 9, "minute": 41}
